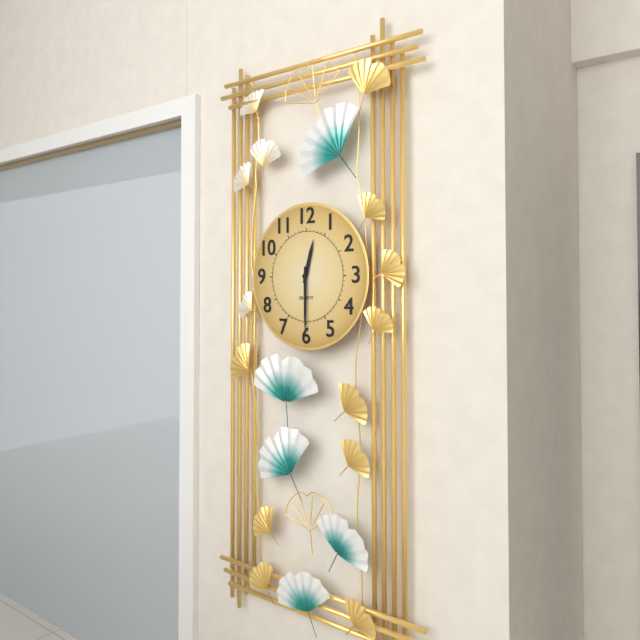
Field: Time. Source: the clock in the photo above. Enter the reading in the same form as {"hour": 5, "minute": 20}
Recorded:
{"hour": 12, "minute": 30}
